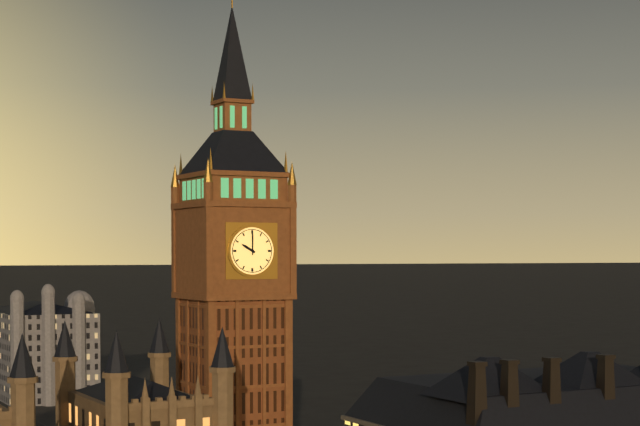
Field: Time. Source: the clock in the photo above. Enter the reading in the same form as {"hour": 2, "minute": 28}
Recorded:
{"hour": 10, "minute": 0}
